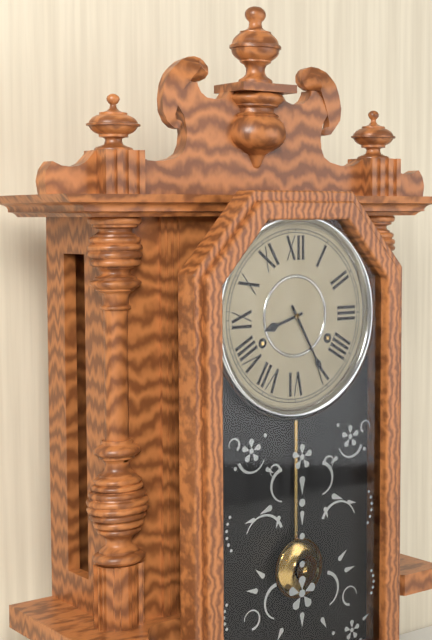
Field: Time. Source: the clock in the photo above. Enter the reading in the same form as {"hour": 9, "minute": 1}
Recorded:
{"hour": 8, "minute": 25}
